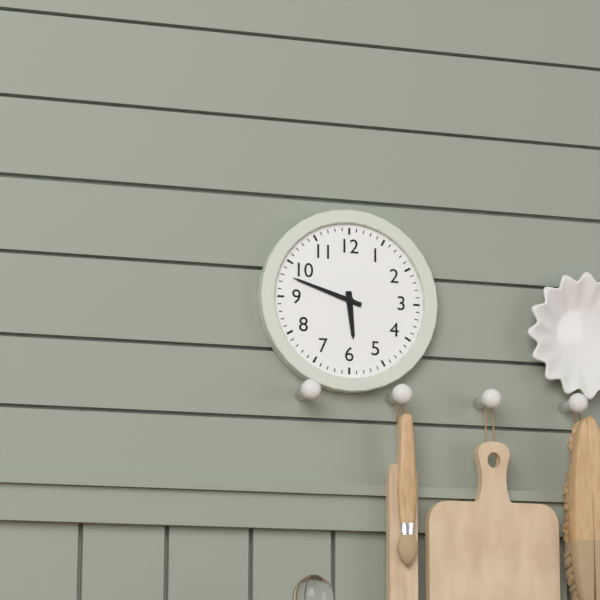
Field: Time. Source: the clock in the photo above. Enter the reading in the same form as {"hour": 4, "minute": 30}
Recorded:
{"hour": 5, "minute": 48}
